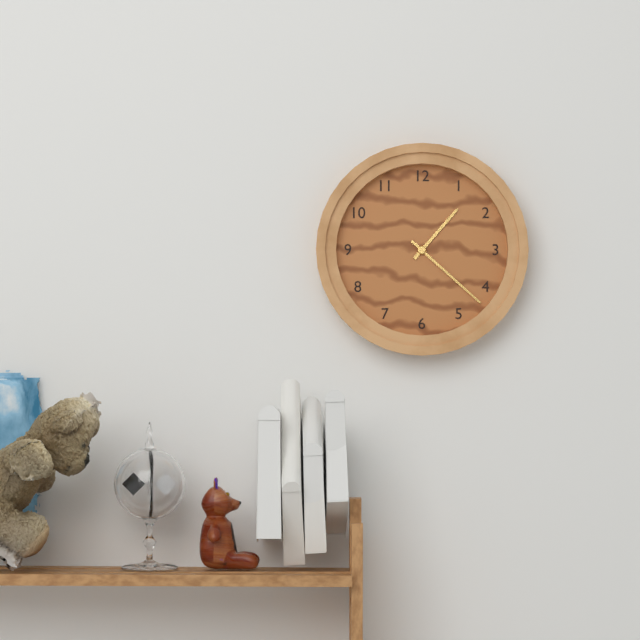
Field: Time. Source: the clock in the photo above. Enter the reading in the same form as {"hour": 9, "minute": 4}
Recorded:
{"hour": 1, "minute": 22}
